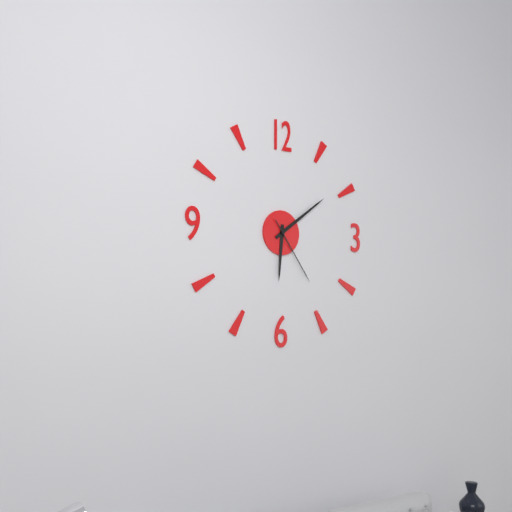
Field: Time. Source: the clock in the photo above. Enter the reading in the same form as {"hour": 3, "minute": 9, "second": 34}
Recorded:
{"hour": 6, "minute": 9, "second": 24}
